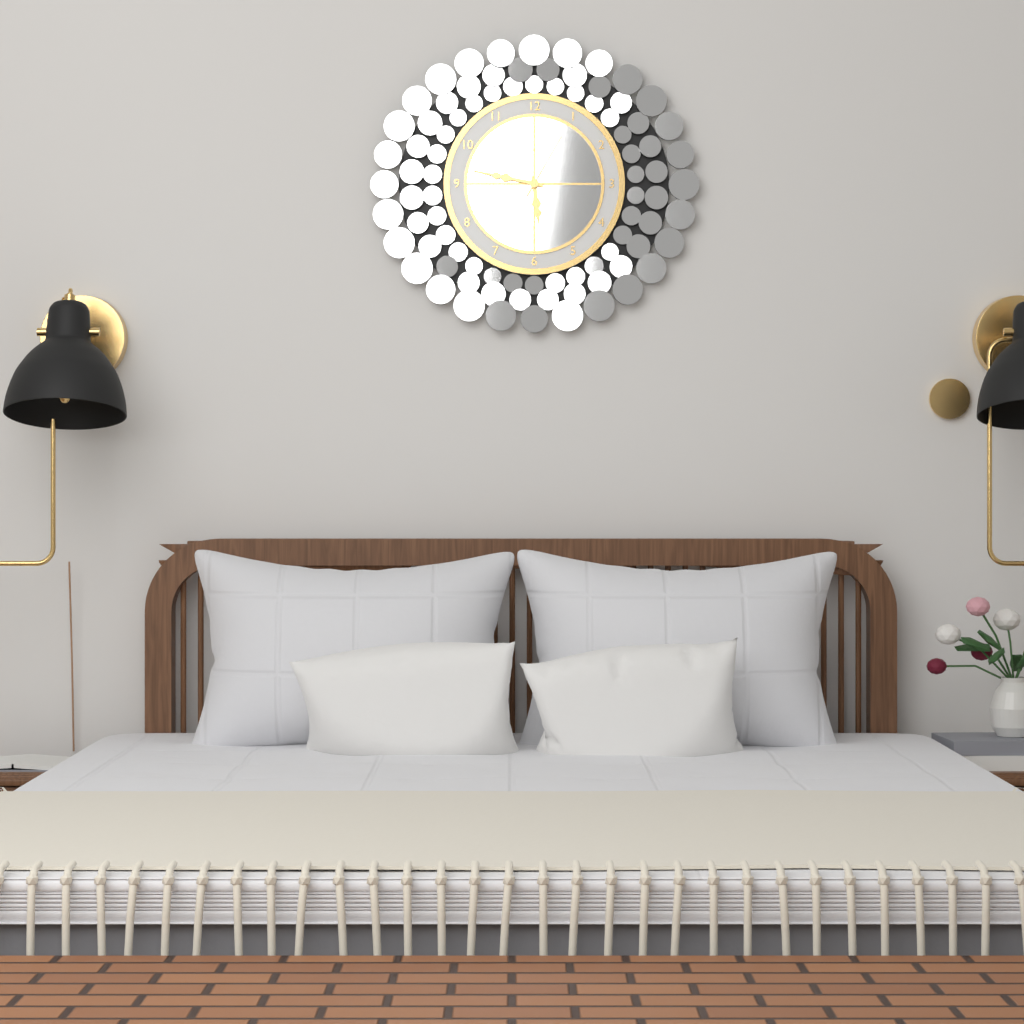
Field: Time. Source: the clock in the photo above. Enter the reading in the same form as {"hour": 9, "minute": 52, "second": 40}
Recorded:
{"hour": 5, "minute": 47, "second": 5}
